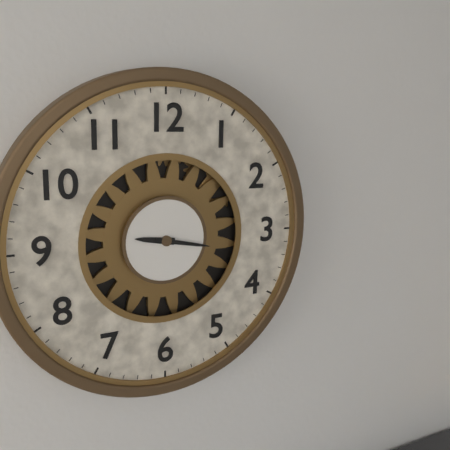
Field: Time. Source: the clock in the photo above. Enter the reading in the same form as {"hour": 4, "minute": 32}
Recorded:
{"hour": 9, "minute": 17}
